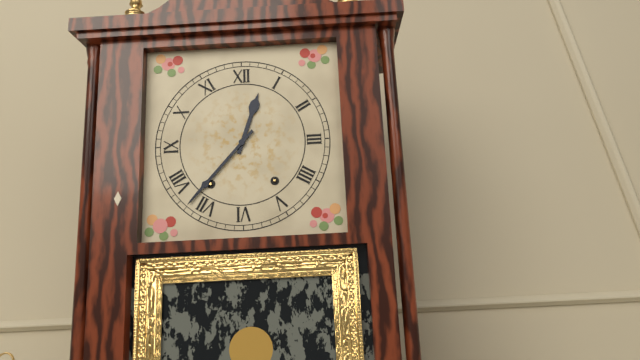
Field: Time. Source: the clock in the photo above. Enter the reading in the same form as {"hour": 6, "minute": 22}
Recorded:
{"hour": 12, "minute": 37}
